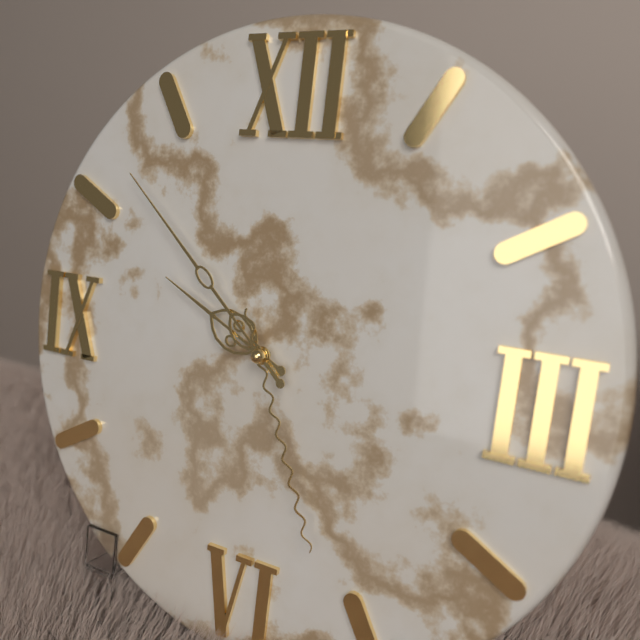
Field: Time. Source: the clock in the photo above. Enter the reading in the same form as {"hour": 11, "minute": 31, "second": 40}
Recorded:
{"hour": 9, "minute": 52, "second": 26}
